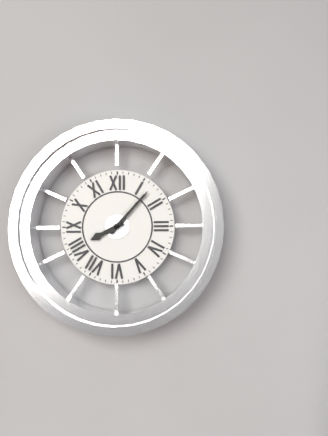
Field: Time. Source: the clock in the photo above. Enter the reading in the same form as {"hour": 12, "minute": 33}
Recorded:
{"hour": 8, "minute": 7}
